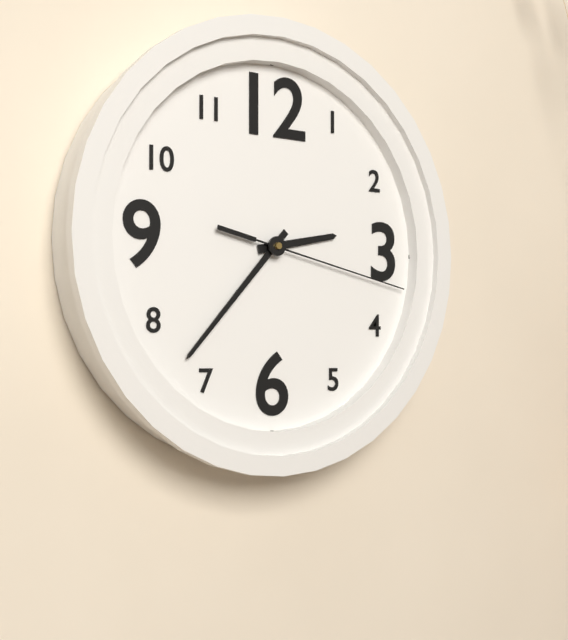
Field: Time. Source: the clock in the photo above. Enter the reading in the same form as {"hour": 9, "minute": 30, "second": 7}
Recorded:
{"hour": 2, "minute": 37, "second": 17}
